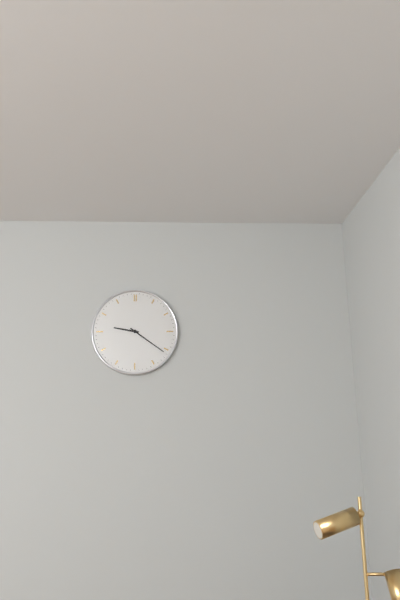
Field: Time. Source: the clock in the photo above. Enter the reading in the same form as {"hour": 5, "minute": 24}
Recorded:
{"hour": 9, "minute": 21}
